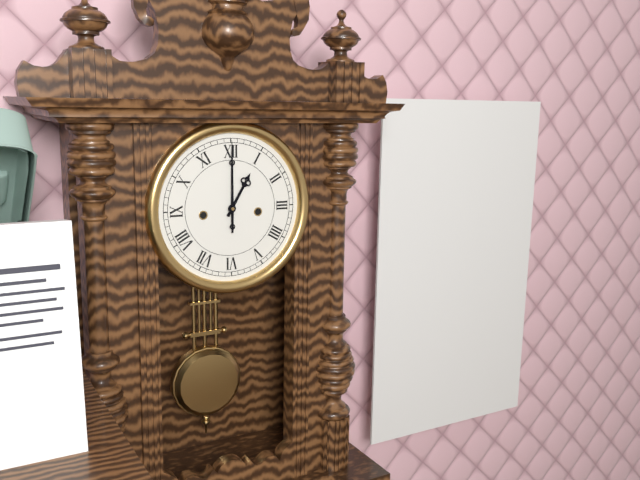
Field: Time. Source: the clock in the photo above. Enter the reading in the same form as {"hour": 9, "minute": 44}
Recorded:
{"hour": 1, "minute": 0}
